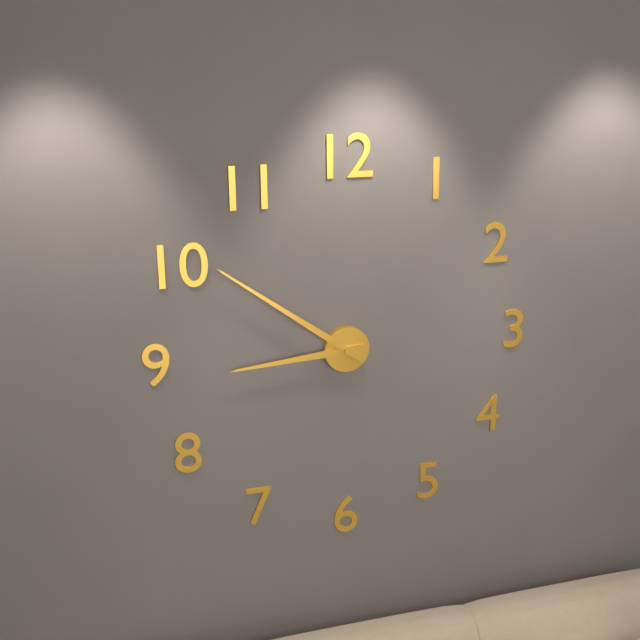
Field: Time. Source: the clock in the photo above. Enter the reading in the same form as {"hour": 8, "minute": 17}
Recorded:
{"hour": 8, "minute": 51}
